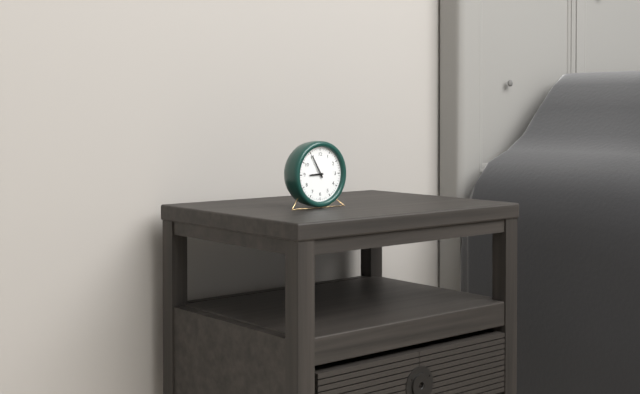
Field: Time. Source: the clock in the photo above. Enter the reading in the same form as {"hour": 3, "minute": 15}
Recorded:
{"hour": 8, "minute": 55}
